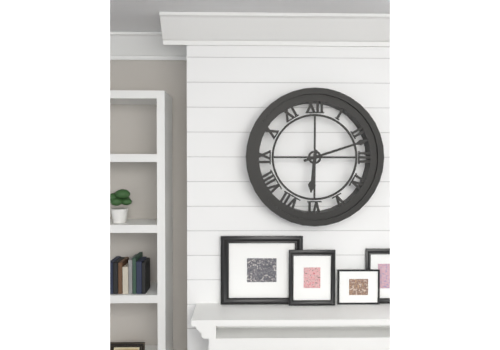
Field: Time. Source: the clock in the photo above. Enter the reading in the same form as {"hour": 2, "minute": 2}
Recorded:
{"hour": 6, "minute": 12}
